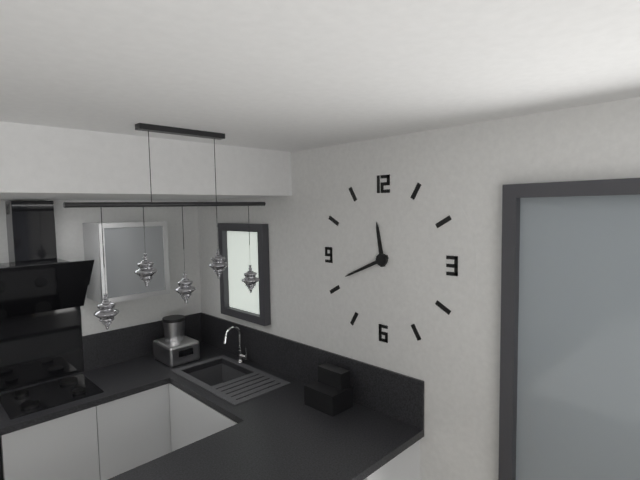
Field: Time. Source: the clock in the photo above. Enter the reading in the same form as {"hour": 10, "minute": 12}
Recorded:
{"hour": 11, "minute": 41}
